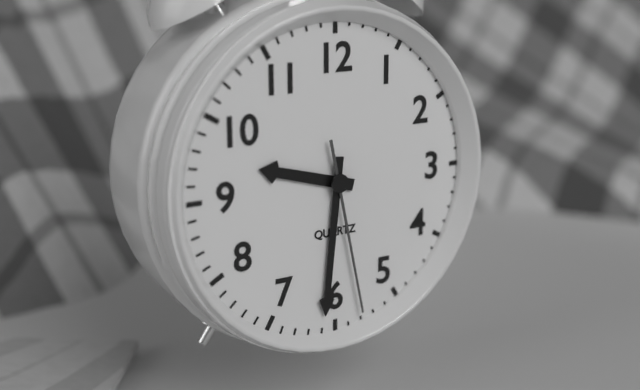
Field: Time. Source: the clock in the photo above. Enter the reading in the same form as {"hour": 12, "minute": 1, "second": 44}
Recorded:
{"hour": 9, "minute": 31, "second": 28}
